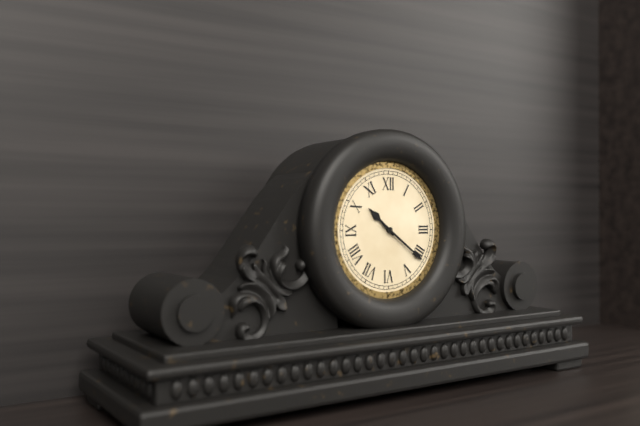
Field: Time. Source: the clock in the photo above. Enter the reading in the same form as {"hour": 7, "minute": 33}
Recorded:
{"hour": 10, "minute": 21}
